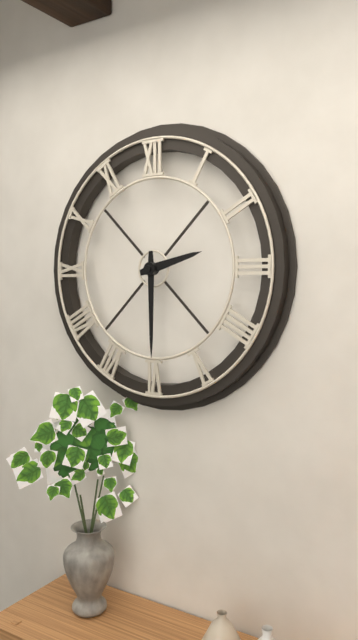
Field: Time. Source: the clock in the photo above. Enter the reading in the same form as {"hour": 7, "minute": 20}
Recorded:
{"hour": 2, "minute": 30}
